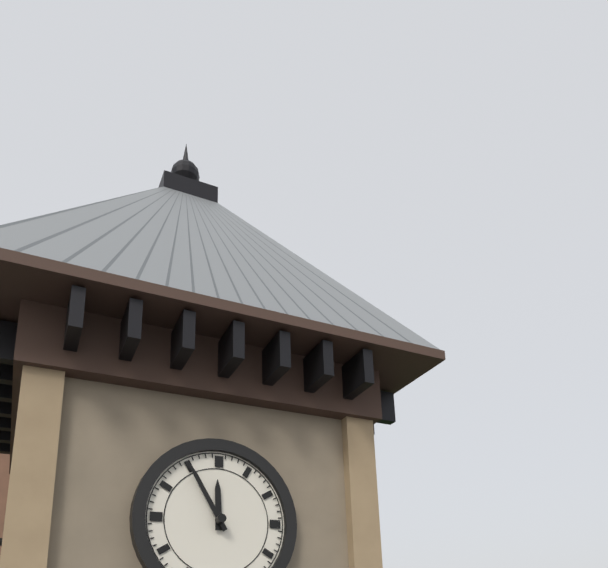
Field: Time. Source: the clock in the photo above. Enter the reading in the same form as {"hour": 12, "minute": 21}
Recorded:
{"hour": 11, "minute": 55}
